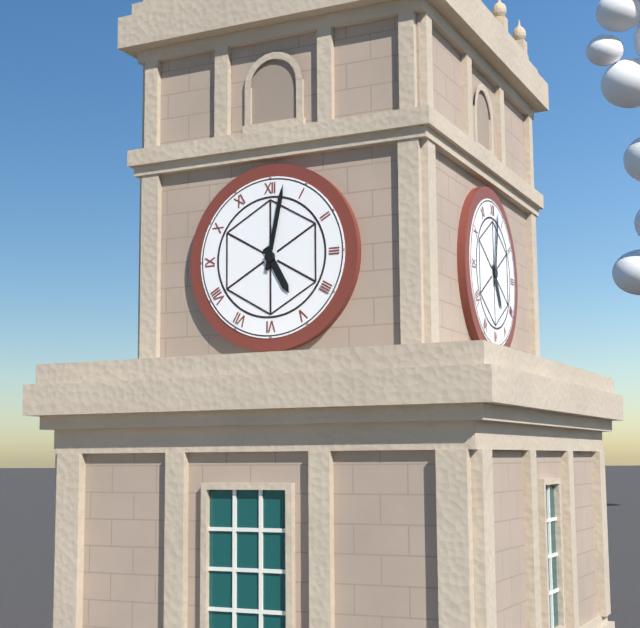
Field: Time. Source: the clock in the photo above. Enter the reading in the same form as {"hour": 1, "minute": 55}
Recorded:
{"hour": 5, "minute": 2}
